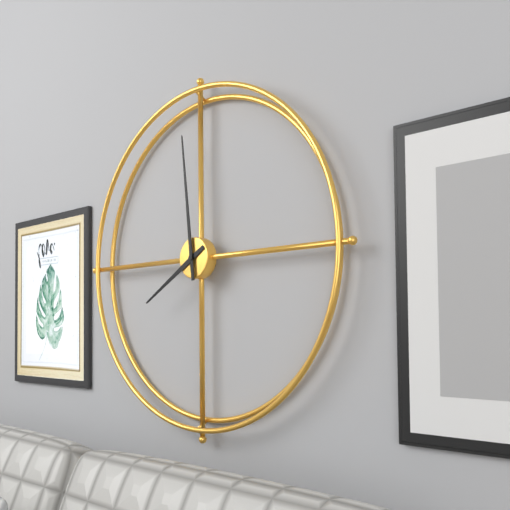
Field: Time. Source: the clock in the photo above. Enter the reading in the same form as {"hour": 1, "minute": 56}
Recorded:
{"hour": 7, "minute": 59}
